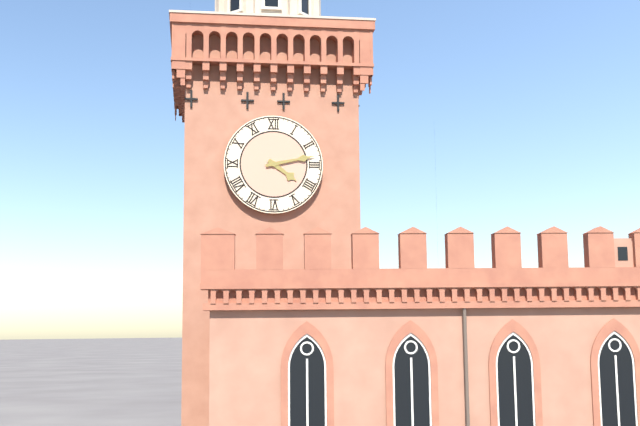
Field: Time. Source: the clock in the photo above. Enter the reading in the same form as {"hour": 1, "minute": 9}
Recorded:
{"hour": 4, "minute": 13}
